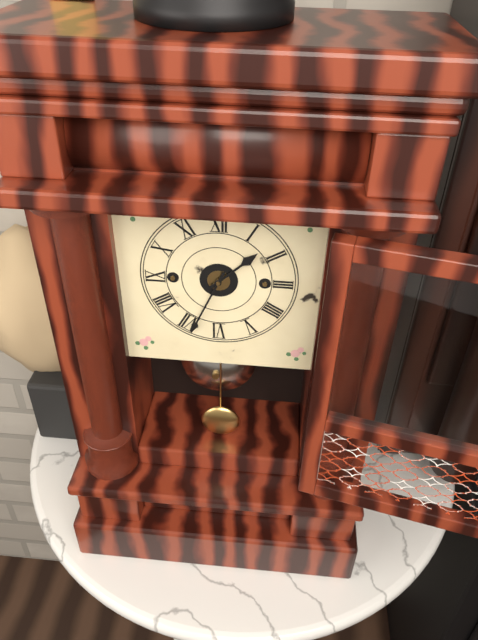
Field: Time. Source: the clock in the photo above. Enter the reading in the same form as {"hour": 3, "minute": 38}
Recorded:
{"hour": 1, "minute": 34}
